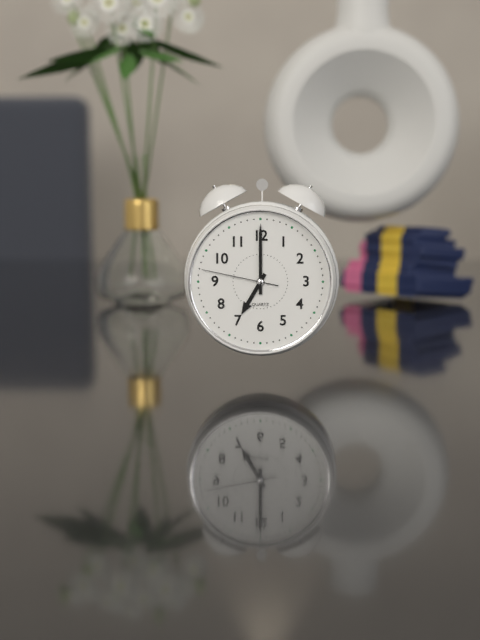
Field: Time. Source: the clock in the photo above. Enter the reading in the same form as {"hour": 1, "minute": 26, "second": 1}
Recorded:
{"hour": 7, "minute": 0, "second": 47}
